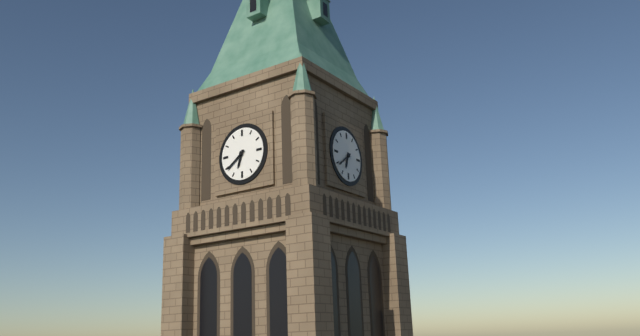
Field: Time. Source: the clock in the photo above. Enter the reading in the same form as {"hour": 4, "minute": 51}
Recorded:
{"hour": 6, "minute": 39}
